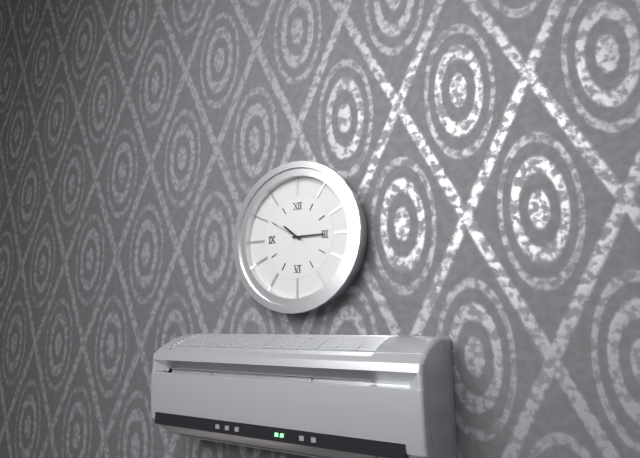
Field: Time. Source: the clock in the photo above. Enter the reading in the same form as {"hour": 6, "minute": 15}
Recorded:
{"hour": 10, "minute": 15}
